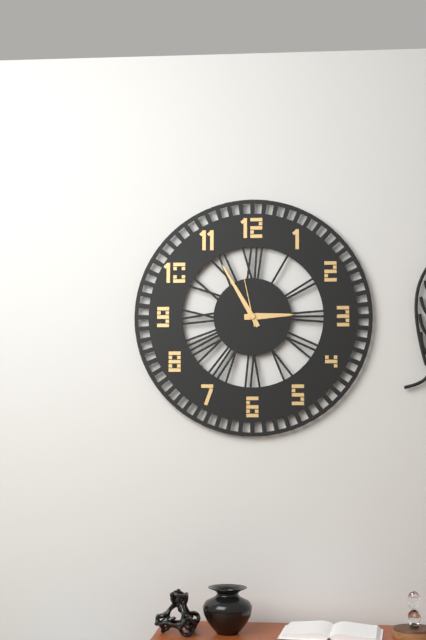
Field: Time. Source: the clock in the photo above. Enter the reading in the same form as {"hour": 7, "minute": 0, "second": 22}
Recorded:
{"hour": 2, "minute": 55, "second": 58}
